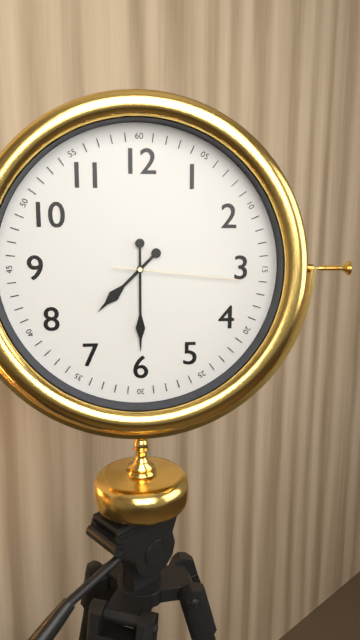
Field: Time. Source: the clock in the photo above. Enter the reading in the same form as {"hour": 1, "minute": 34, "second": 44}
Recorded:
{"hour": 7, "minute": 30, "second": 16}
